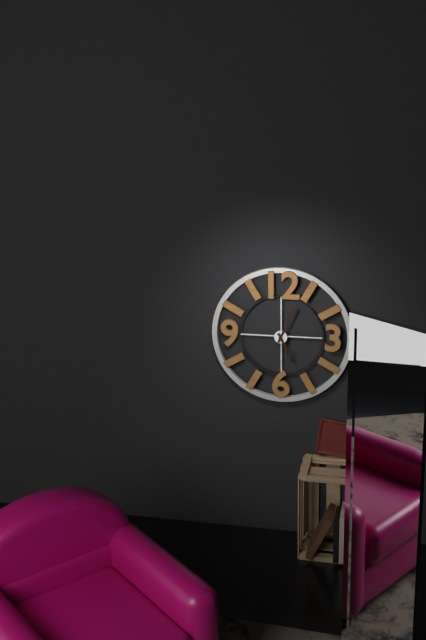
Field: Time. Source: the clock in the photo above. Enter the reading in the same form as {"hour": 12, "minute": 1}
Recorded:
{"hour": 5, "minute": 4}
